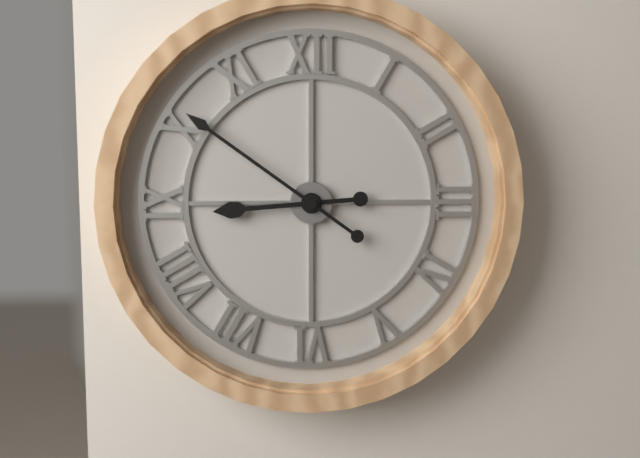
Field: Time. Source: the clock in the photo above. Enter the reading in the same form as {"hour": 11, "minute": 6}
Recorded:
{"hour": 8, "minute": 51}
